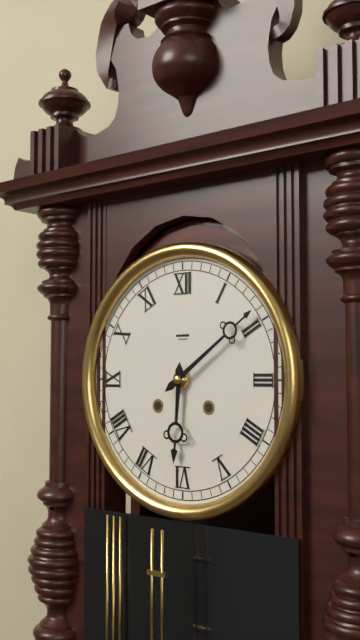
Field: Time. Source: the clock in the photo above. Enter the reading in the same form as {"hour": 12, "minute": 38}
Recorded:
{"hour": 6, "minute": 9}
